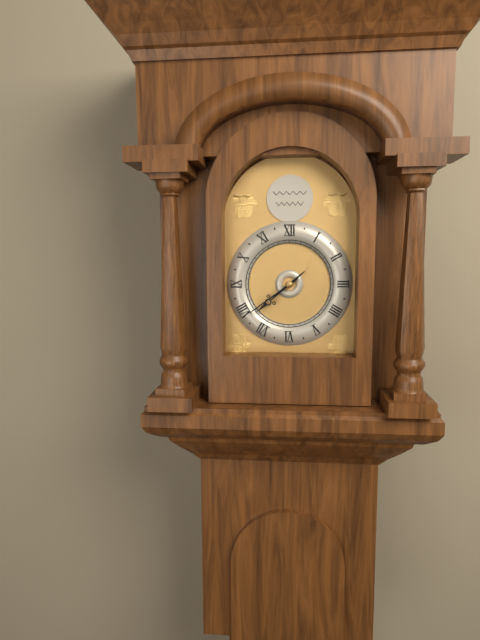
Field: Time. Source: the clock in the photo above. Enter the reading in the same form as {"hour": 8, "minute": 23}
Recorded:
{"hour": 7, "minute": 39}
